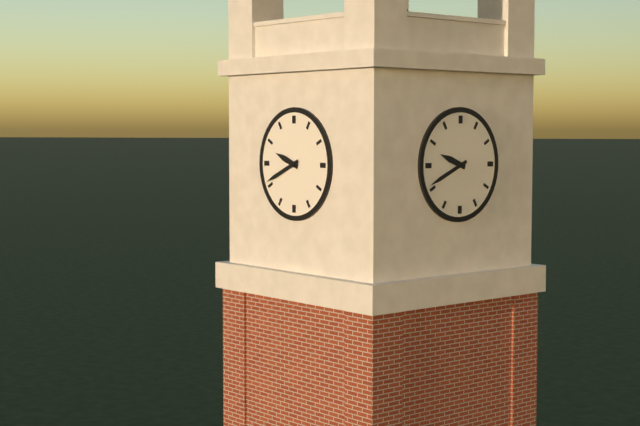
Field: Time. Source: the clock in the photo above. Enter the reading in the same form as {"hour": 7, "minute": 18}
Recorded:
{"hour": 9, "minute": 41}
